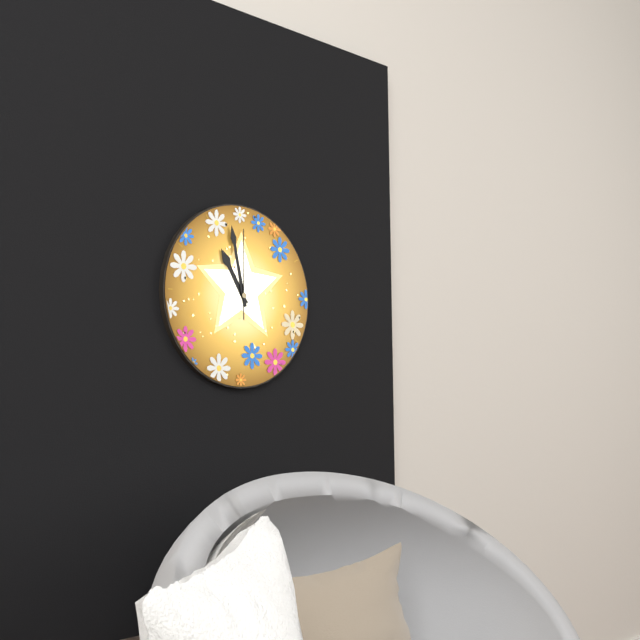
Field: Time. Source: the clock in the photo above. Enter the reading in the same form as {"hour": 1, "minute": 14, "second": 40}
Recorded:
{"hour": 10, "minute": 58, "second": 0}
